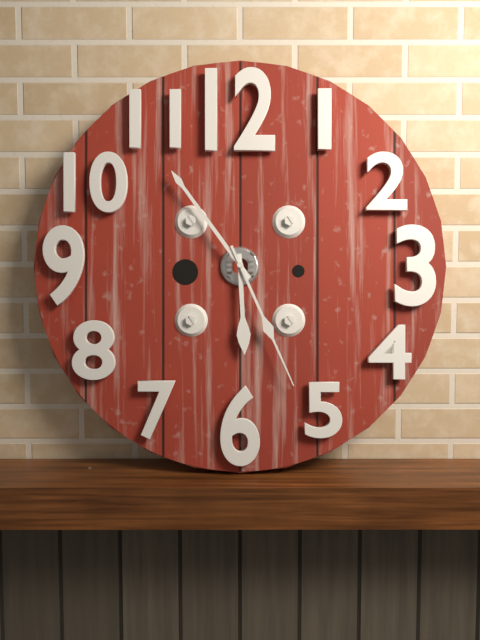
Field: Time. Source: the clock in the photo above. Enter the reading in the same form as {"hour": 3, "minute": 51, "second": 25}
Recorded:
{"hour": 5, "minute": 54, "second": 26}
